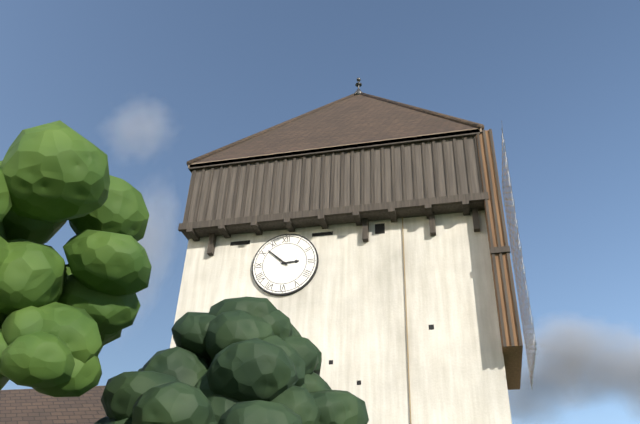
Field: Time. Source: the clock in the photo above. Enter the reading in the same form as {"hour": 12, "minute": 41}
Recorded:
{"hour": 2, "minute": 52}
